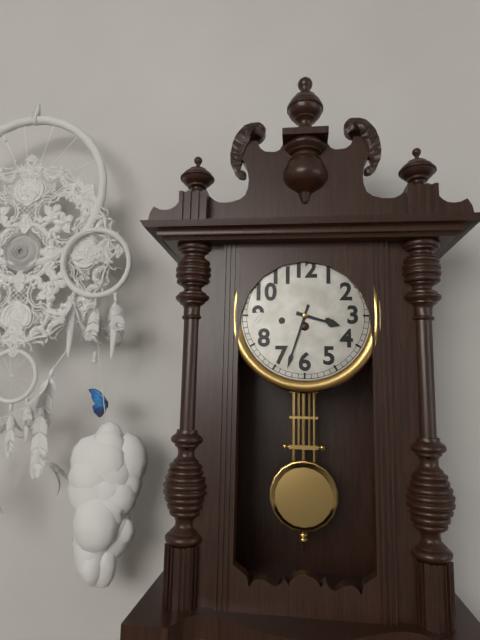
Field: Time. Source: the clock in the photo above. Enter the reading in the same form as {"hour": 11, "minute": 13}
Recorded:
{"hour": 3, "minute": 33}
